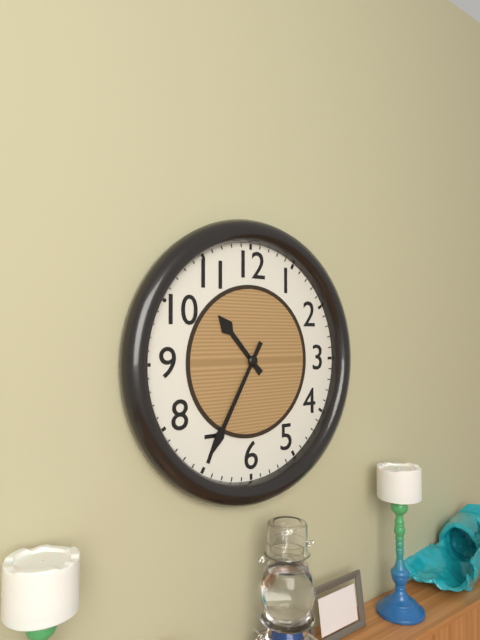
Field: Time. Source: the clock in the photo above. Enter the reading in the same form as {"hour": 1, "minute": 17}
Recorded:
{"hour": 10, "minute": 35}
